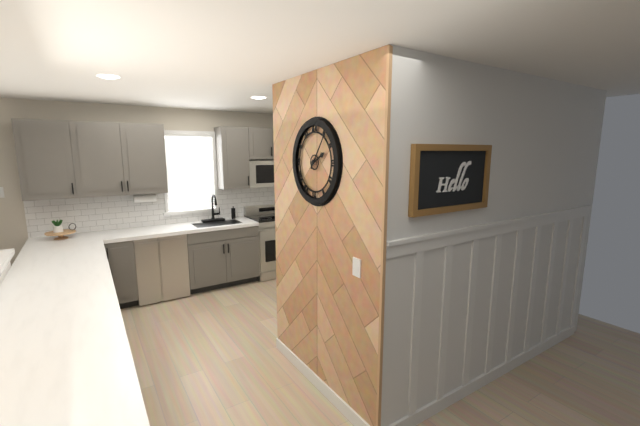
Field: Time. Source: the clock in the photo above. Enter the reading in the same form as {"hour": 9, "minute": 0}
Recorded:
{"hour": 2, "minute": 6}
